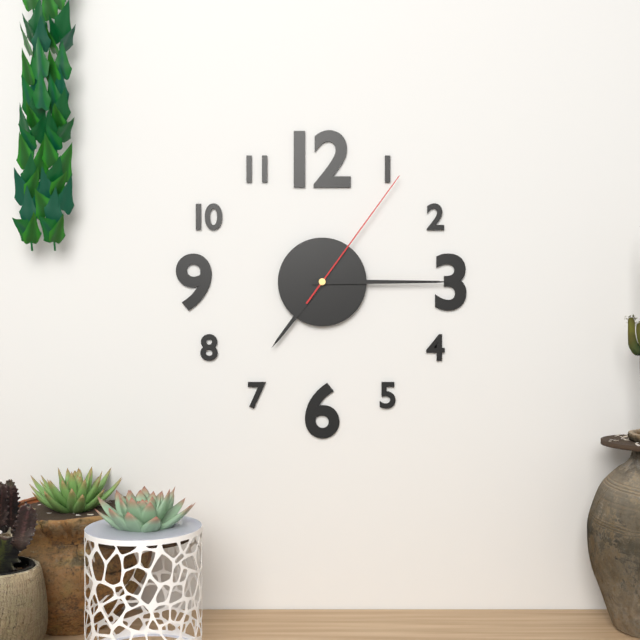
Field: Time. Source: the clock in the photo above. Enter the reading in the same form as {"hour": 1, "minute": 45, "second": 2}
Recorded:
{"hour": 7, "minute": 15, "second": 6}
